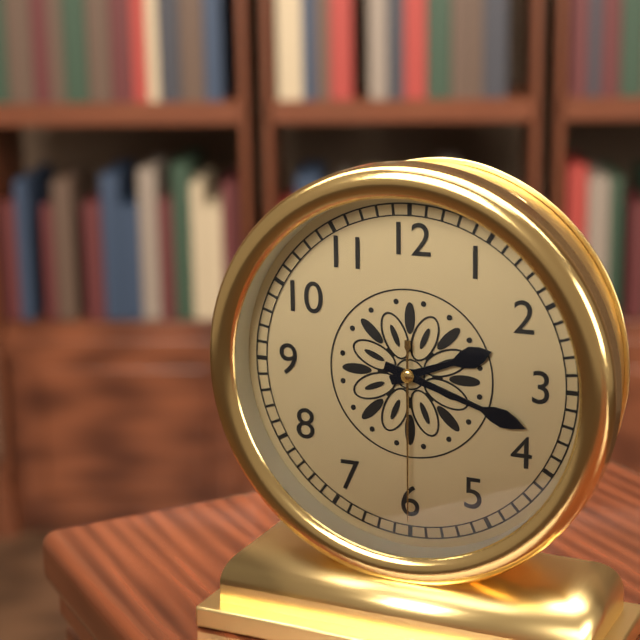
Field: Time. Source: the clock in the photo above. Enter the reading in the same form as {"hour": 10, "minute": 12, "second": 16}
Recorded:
{"hour": 2, "minute": 18, "second": 30}
